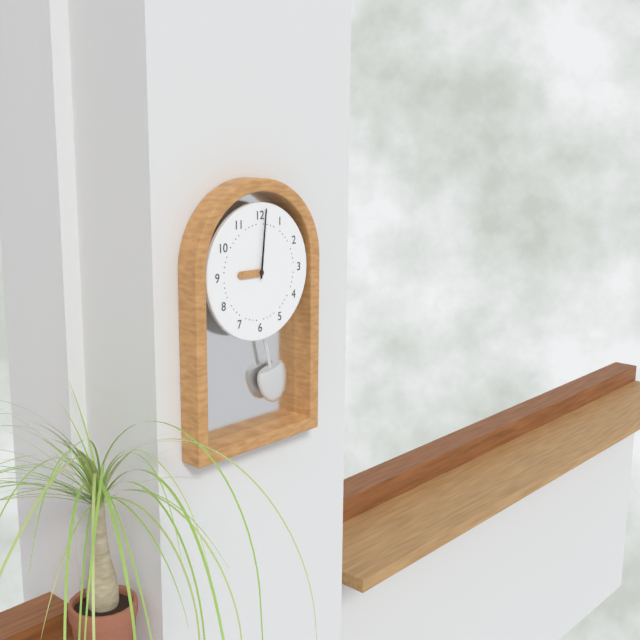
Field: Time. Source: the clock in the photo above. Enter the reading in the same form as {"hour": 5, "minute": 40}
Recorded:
{"hour": 9, "minute": 1}
